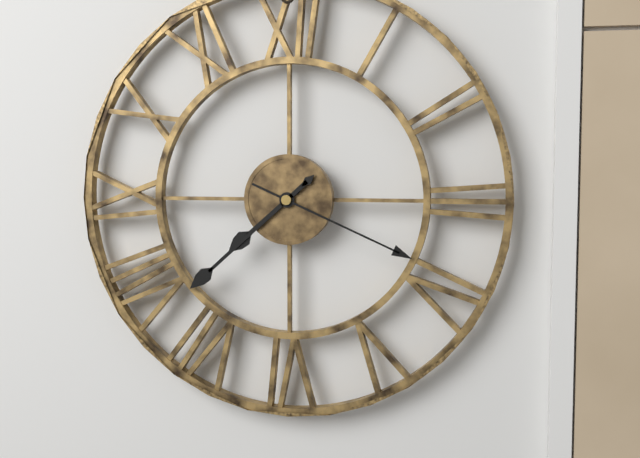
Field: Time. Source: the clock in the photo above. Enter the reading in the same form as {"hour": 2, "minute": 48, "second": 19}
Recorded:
{"hour": 7, "minute": 38, "second": 19}
